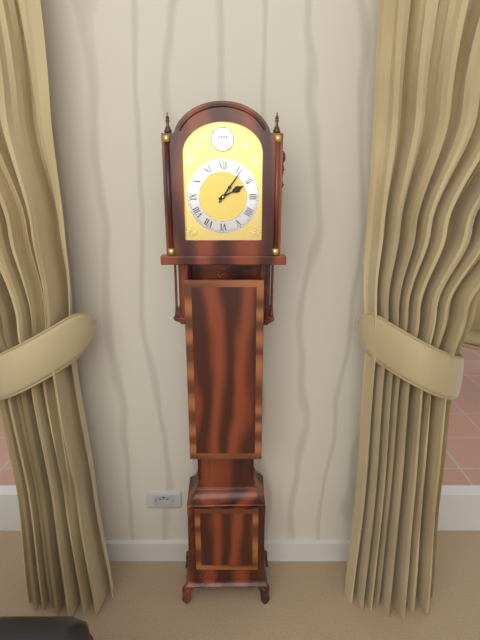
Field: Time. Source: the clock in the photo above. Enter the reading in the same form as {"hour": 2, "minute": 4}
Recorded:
{"hour": 2, "minute": 6}
